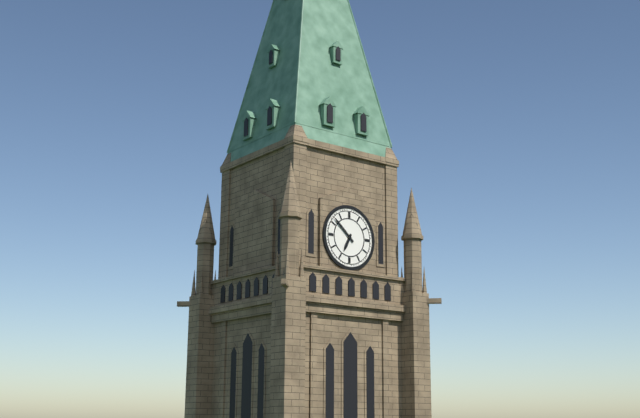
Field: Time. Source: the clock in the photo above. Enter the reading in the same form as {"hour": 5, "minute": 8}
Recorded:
{"hour": 6, "minute": 52}
